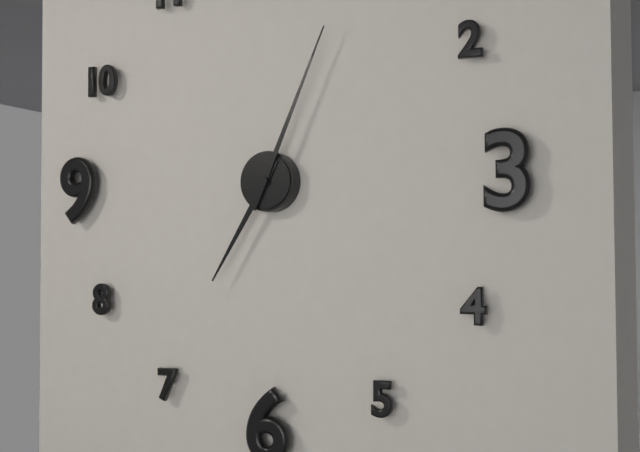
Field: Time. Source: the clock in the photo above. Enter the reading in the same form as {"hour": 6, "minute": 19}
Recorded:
{"hour": 7, "minute": 4}
